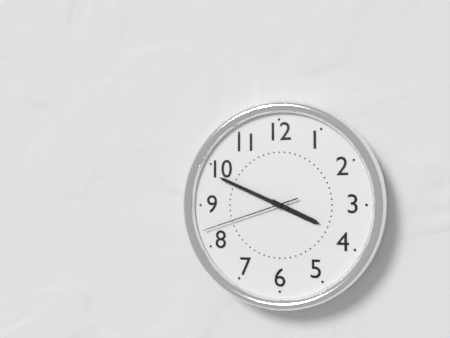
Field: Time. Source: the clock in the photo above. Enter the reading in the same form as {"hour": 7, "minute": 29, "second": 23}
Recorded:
{"hour": 3, "minute": 49, "second": 42}
